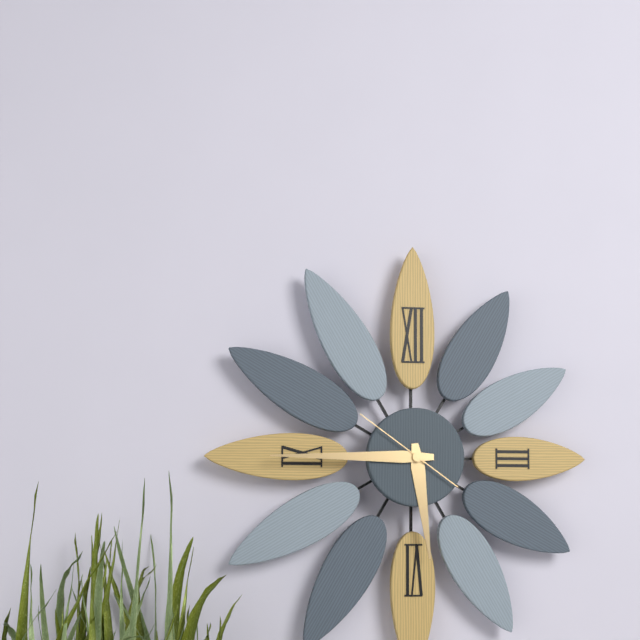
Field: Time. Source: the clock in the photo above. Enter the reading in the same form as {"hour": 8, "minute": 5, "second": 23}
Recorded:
{"hour": 5, "minute": 45, "second": 51}
